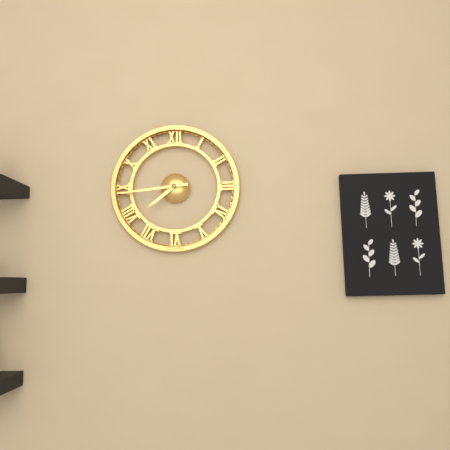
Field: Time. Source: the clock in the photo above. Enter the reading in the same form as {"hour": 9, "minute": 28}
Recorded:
{"hour": 7, "minute": 44}
